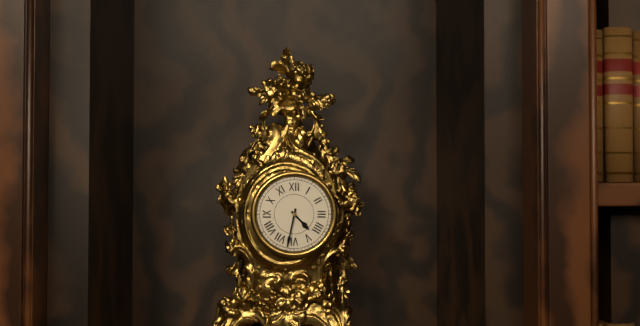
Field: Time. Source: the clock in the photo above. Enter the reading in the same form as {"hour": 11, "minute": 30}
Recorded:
{"hour": 4, "minute": 32}
